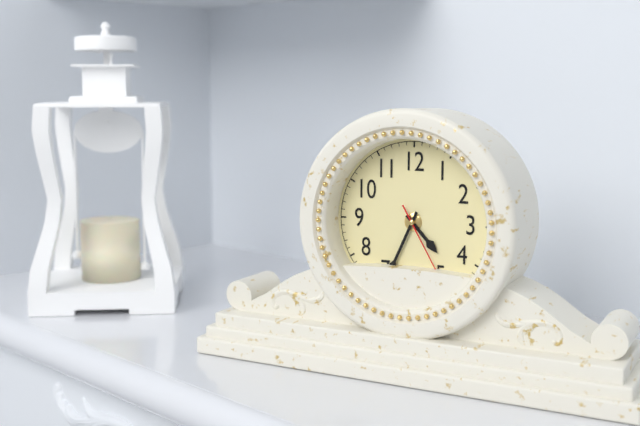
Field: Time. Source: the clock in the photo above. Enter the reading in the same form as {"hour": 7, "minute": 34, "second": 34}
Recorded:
{"hour": 4, "minute": 34, "second": 25}
